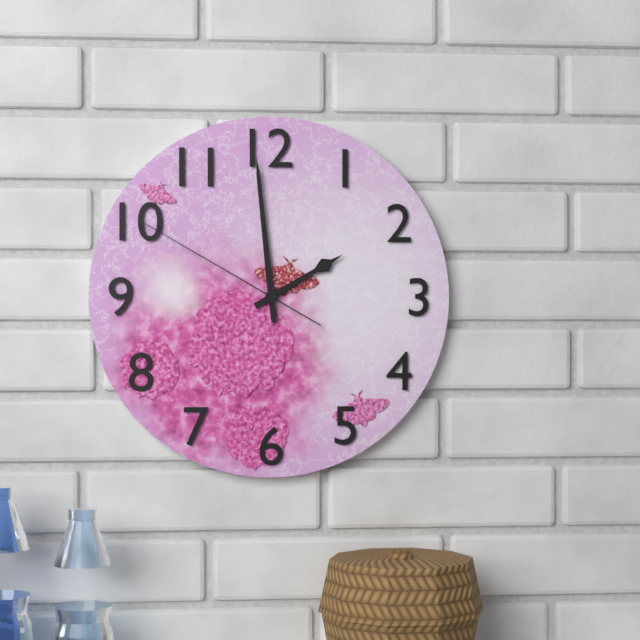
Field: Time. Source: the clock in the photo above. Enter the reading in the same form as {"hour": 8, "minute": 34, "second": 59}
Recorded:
{"hour": 1, "minute": 59, "second": 50}
